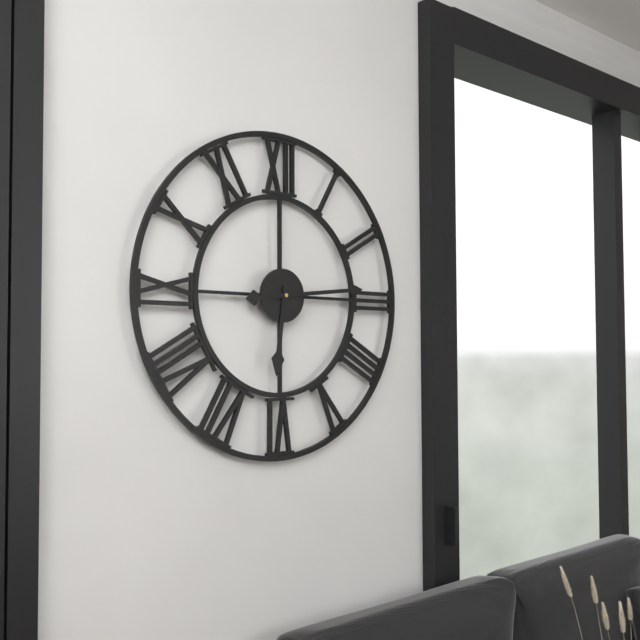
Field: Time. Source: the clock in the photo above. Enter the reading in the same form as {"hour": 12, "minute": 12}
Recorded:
{"hour": 6, "minute": 14}
